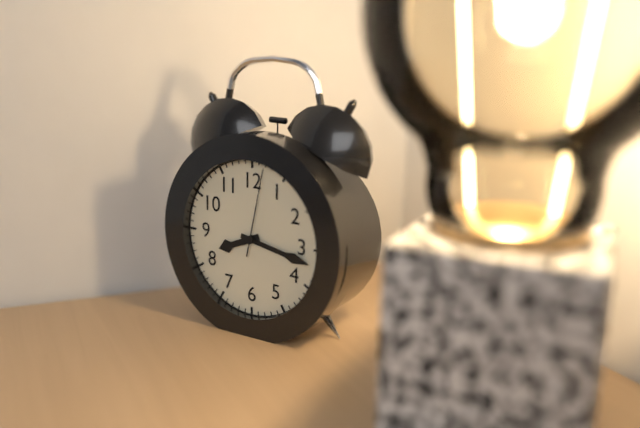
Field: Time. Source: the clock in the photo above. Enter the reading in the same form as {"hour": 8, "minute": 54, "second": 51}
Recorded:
{"hour": 8, "minute": 17, "second": 2}
